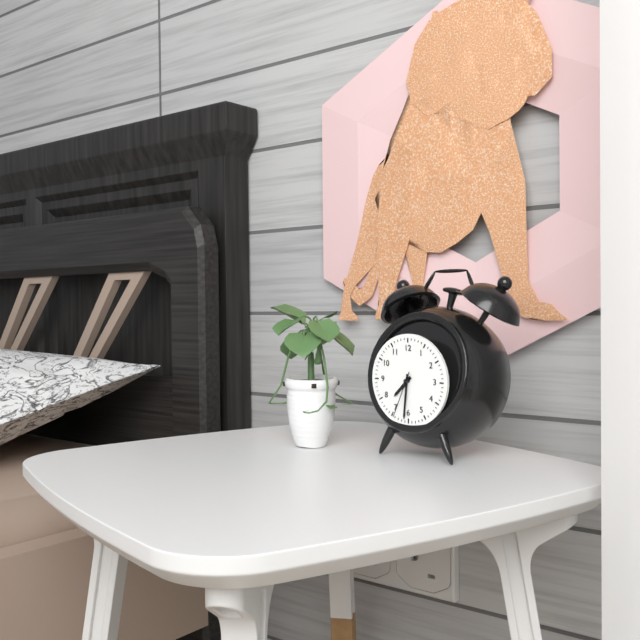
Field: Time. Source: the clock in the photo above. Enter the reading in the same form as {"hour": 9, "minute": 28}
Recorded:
{"hour": 7, "minute": 31}
